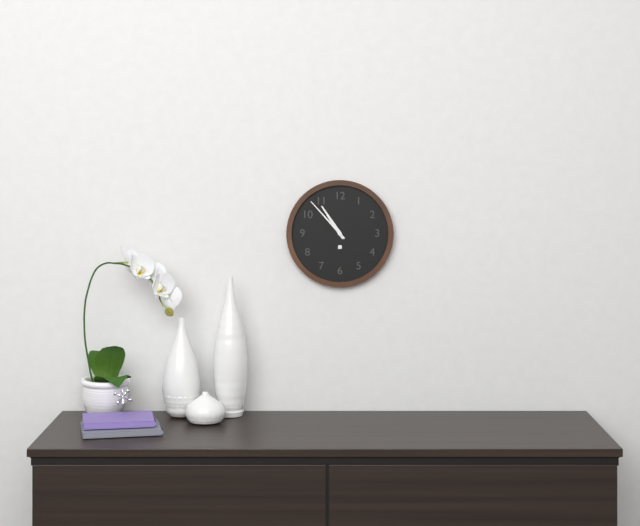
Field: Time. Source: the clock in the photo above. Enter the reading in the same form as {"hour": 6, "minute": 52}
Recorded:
{"hour": 10, "minute": 53}
